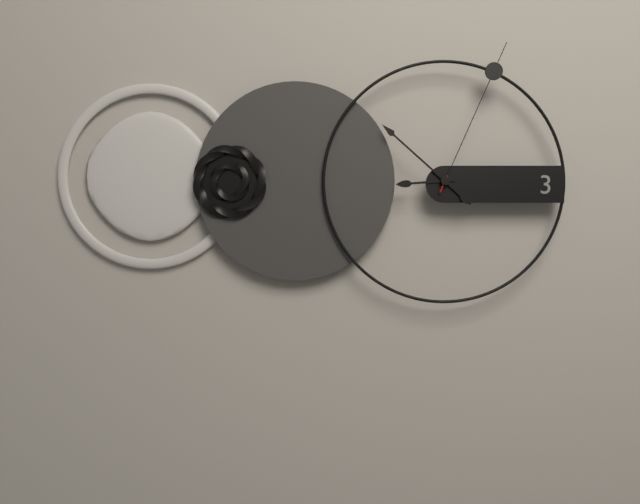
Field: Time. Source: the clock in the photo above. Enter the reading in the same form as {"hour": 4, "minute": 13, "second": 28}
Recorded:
{"hour": 8, "minute": 52, "second": 4}
